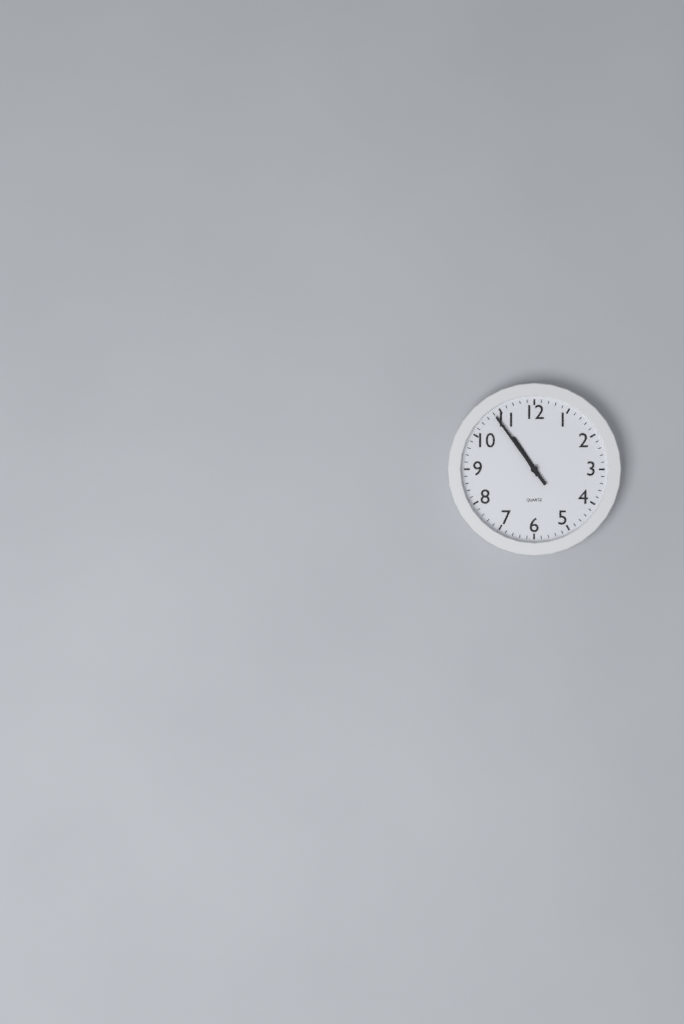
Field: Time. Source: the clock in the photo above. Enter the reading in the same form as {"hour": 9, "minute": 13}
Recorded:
{"hour": 10, "minute": 54}
